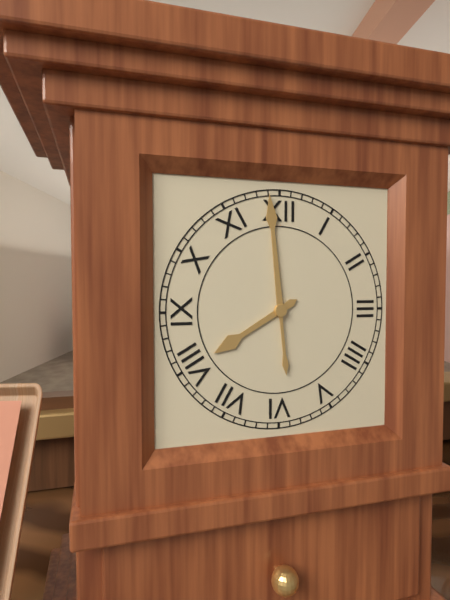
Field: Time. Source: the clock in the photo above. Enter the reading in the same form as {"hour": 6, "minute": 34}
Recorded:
{"hour": 7, "minute": 59}
